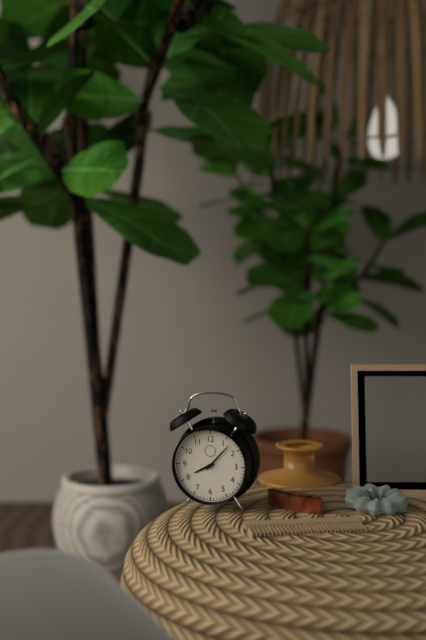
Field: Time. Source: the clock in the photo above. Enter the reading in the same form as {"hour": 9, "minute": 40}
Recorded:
{"hour": 8, "minute": 7}
